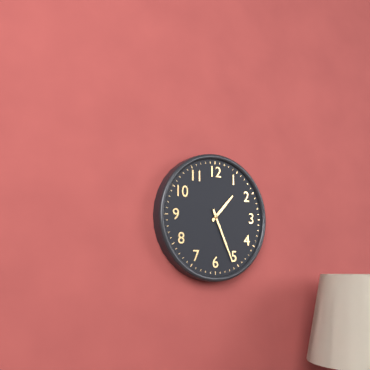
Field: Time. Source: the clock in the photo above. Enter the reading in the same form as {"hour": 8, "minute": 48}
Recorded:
{"hour": 1, "minute": 26}
